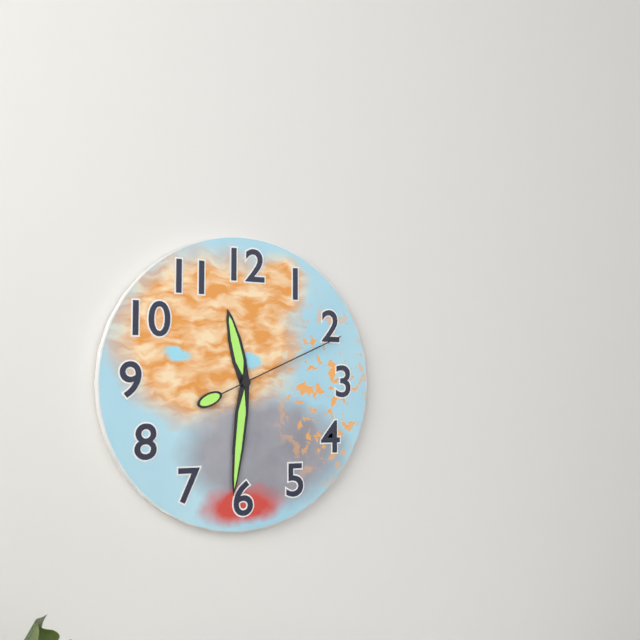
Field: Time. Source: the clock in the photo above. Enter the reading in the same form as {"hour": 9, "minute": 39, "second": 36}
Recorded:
{"hour": 11, "minute": 31, "second": 11}
